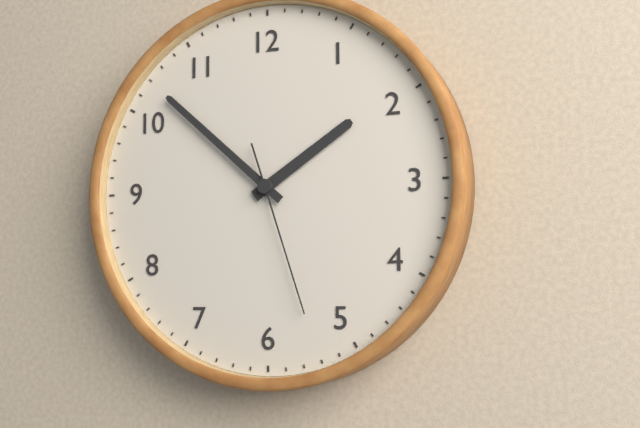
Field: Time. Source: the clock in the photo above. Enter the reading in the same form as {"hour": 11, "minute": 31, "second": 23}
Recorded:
{"hour": 1, "minute": 52, "second": 27}
